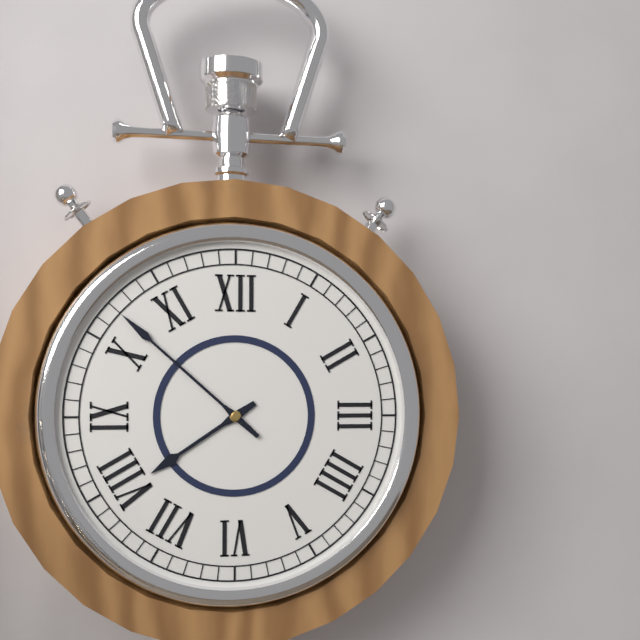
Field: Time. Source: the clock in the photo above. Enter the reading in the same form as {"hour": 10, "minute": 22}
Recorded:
{"hour": 7, "minute": 52}
